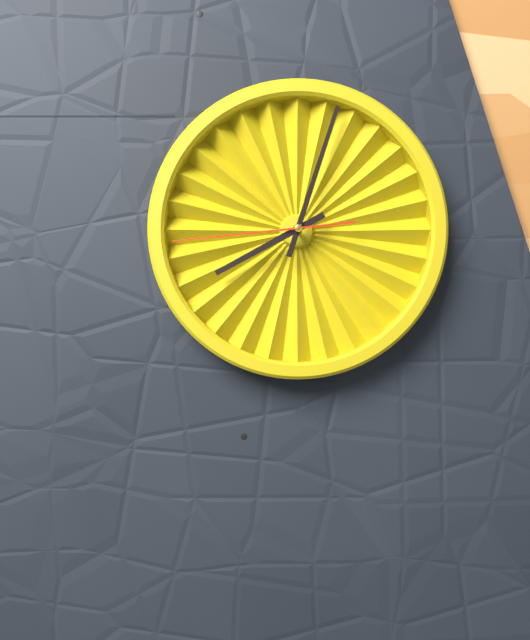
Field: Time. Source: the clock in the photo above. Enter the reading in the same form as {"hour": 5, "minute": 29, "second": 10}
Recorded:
{"hour": 8, "minute": 3, "second": 44}
